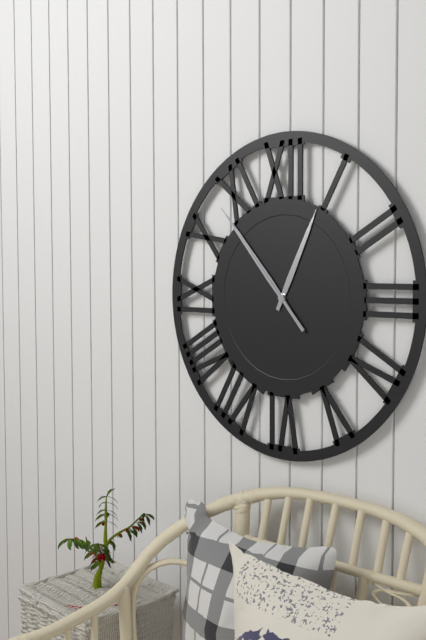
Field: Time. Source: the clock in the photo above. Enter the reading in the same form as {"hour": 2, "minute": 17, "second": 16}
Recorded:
{"hour": 12, "minute": 53, "second": 53}
